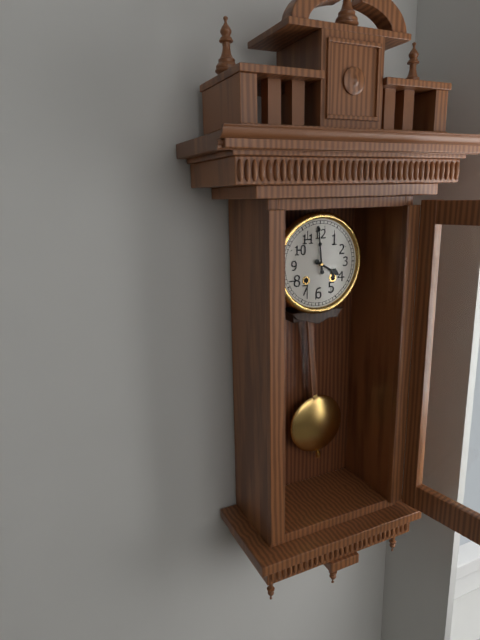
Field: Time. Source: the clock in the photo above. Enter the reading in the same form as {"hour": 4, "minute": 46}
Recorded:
{"hour": 3, "minute": 59}
